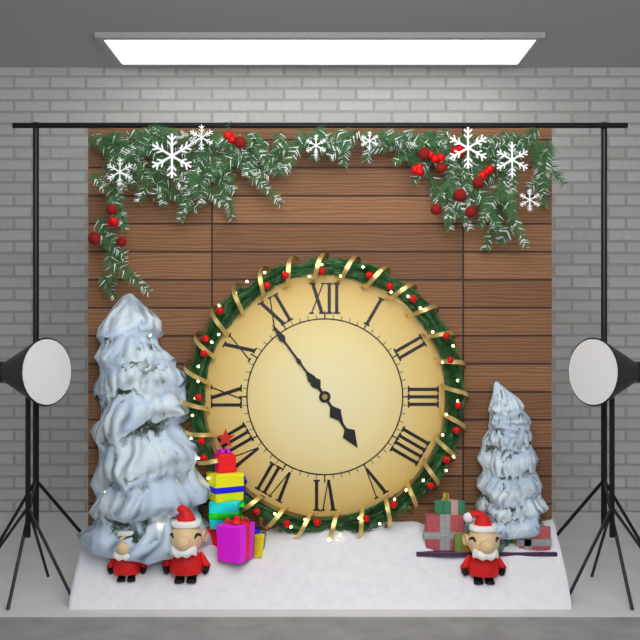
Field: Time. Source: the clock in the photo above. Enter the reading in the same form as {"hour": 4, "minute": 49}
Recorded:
{"hour": 4, "minute": 54}
